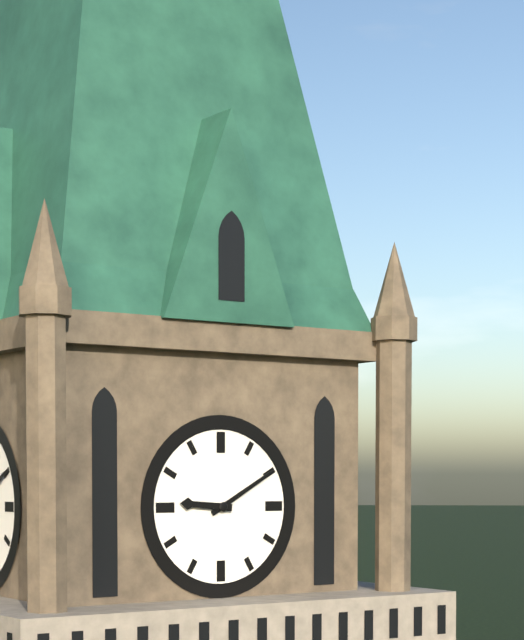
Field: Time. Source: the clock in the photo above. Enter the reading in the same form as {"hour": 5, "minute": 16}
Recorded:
{"hour": 9, "minute": 10}
